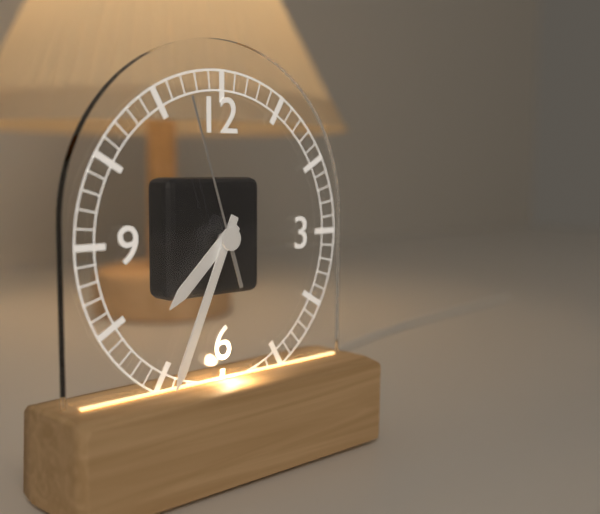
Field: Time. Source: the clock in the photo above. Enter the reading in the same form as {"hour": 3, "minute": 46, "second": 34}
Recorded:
{"hour": 7, "minute": 34, "second": 57}
